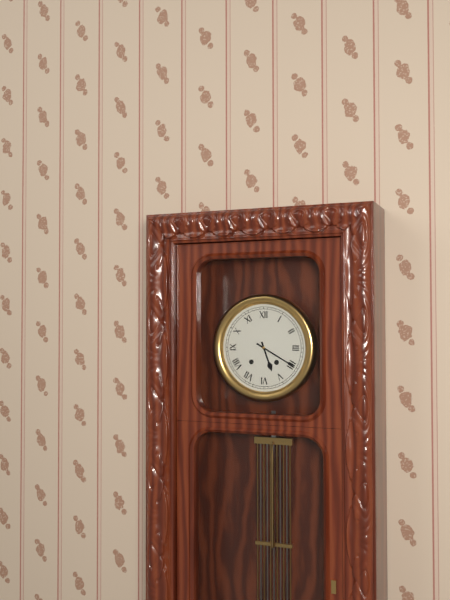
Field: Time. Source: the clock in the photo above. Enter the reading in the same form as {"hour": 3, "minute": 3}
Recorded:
{"hour": 5, "minute": 20}
